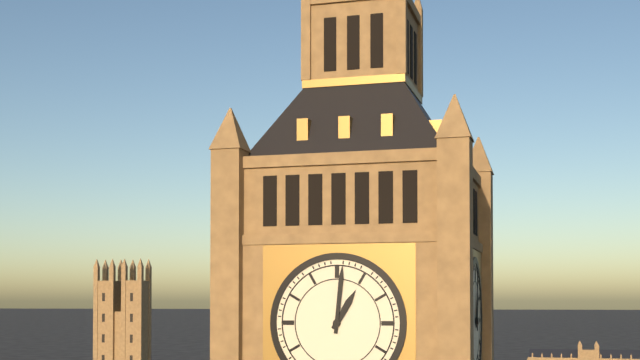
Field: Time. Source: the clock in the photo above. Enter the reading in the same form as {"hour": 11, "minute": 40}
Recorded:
{"hour": 1, "minute": 1}
